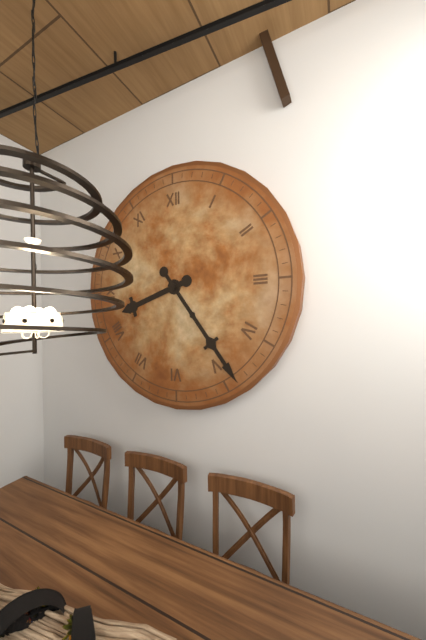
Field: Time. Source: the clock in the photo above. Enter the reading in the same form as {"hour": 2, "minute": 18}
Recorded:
{"hour": 8, "minute": 24}
